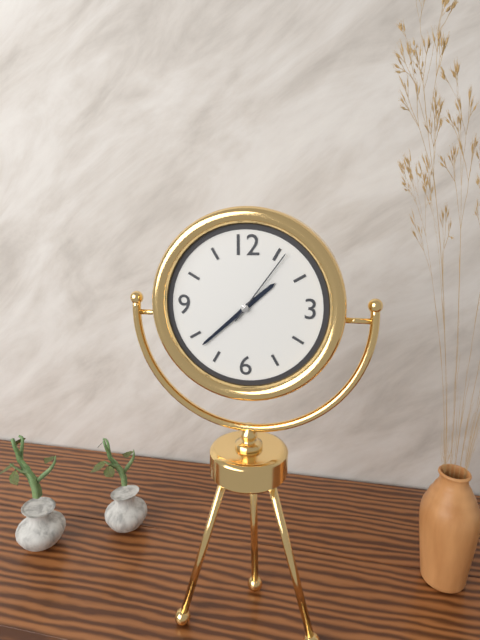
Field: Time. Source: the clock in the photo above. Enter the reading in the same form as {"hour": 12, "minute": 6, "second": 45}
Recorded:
{"hour": 1, "minute": 38, "second": 6}
